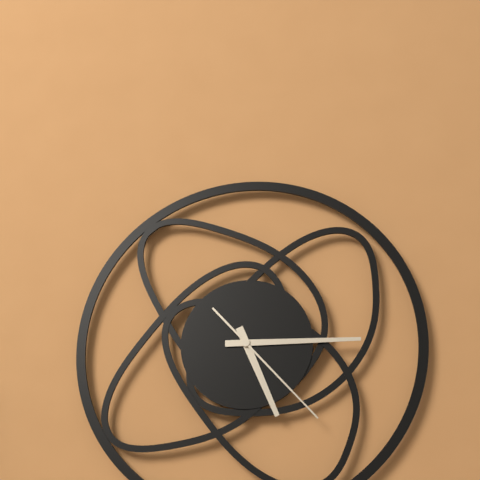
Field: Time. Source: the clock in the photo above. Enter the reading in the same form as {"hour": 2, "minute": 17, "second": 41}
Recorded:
{"hour": 5, "minute": 15, "second": 23}
